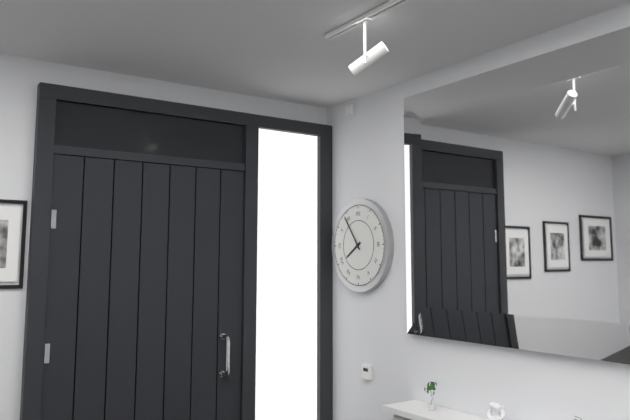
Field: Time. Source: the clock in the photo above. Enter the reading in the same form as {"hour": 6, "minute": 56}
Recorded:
{"hour": 7, "minute": 54}
